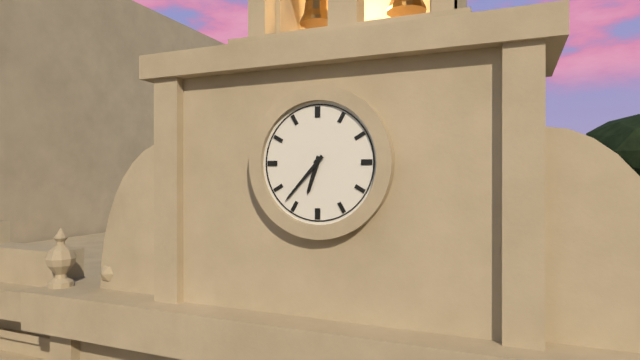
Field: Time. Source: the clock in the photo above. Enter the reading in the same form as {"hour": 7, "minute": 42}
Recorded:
{"hour": 6, "minute": 37}
